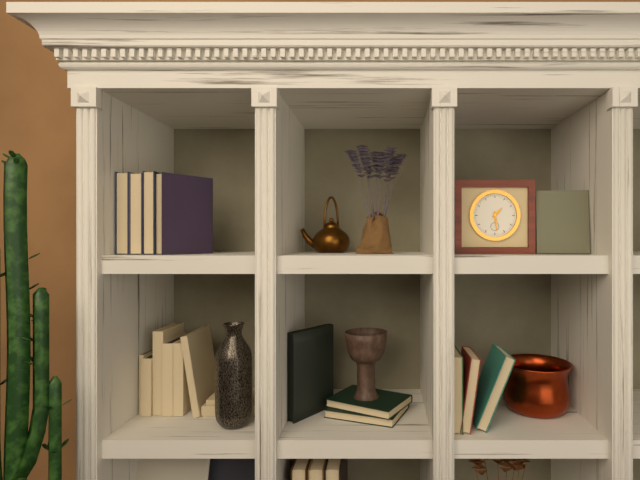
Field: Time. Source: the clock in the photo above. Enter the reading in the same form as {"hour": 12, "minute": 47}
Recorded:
{"hour": 1, "minute": 29}
